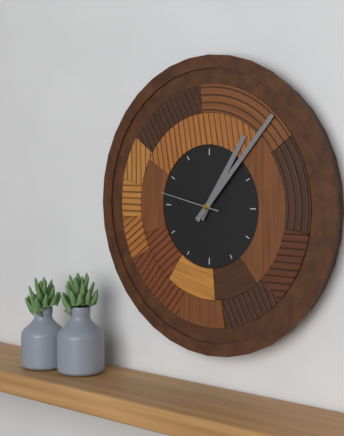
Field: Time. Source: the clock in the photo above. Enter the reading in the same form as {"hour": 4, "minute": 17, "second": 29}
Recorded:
{"hour": 1, "minute": 7, "second": 47}
